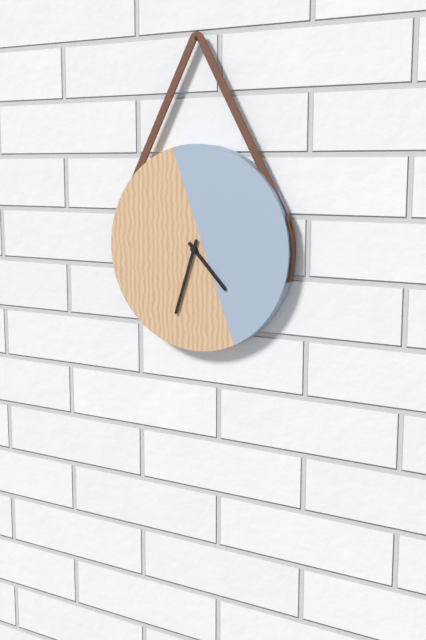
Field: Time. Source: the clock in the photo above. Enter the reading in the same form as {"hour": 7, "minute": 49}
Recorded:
{"hour": 4, "minute": 33}
